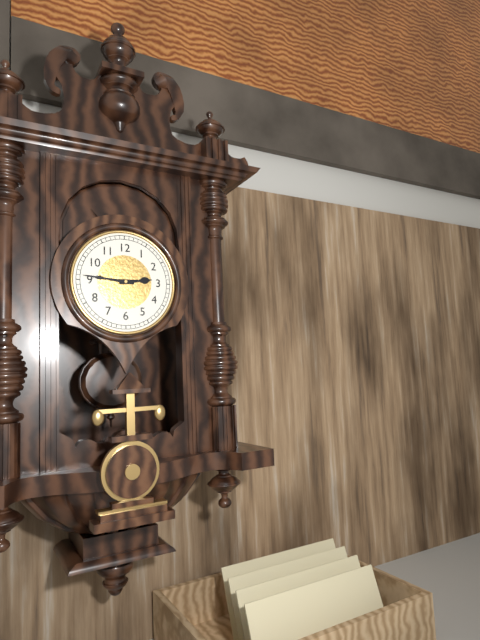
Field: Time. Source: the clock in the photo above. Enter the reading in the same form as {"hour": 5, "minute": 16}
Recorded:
{"hour": 2, "minute": 46}
